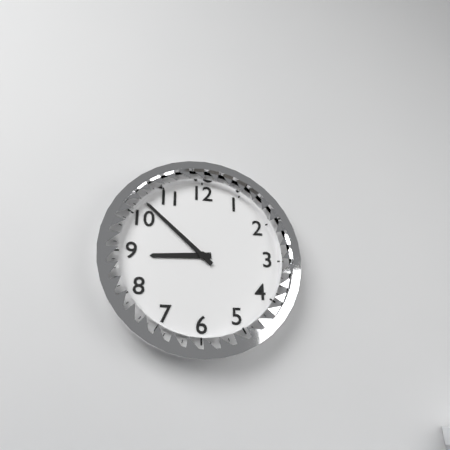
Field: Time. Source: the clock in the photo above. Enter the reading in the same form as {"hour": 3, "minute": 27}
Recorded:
{"hour": 8, "minute": 52}
